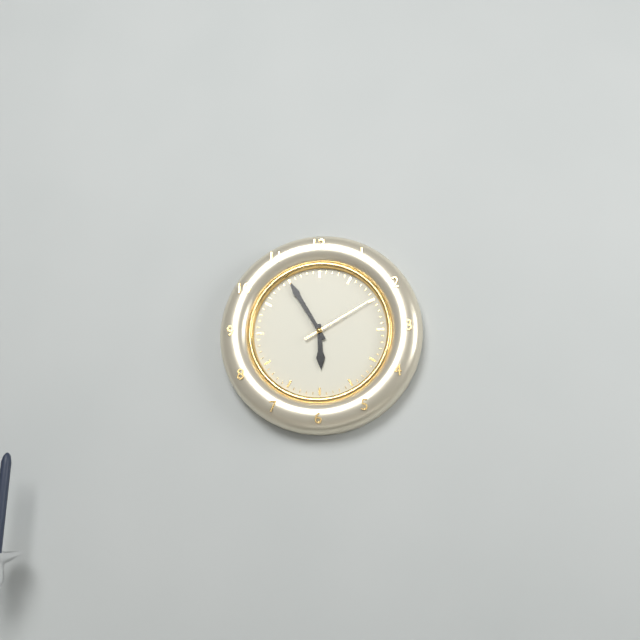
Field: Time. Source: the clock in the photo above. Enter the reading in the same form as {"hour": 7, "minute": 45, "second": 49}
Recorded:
{"hour": 5, "minute": 55, "second": 10}
